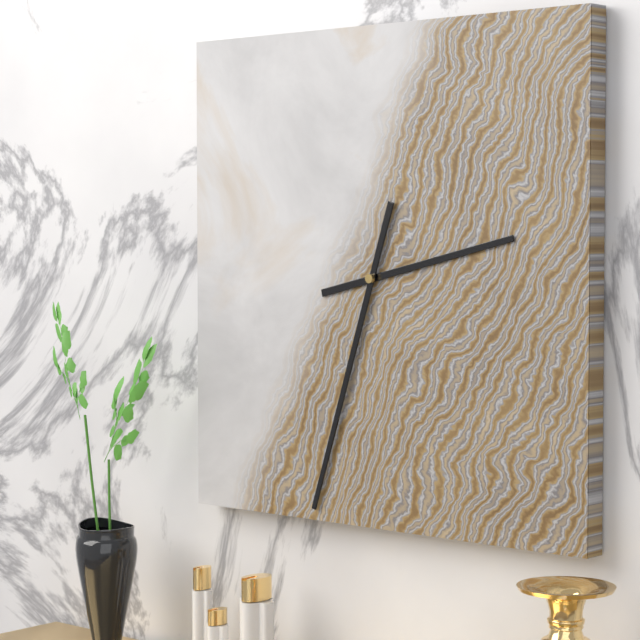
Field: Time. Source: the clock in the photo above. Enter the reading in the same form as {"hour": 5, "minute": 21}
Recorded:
{"hour": 2, "minute": 33}
